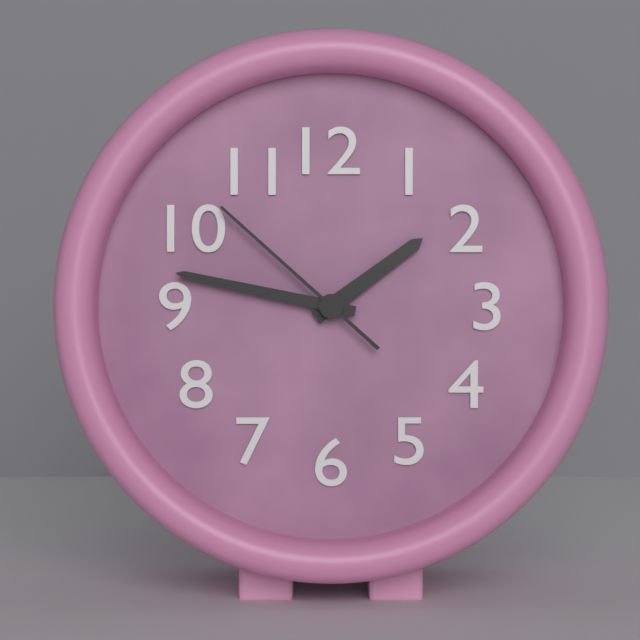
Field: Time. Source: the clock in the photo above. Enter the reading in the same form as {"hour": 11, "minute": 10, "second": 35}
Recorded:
{"hour": 1, "minute": 47, "second": 52}
